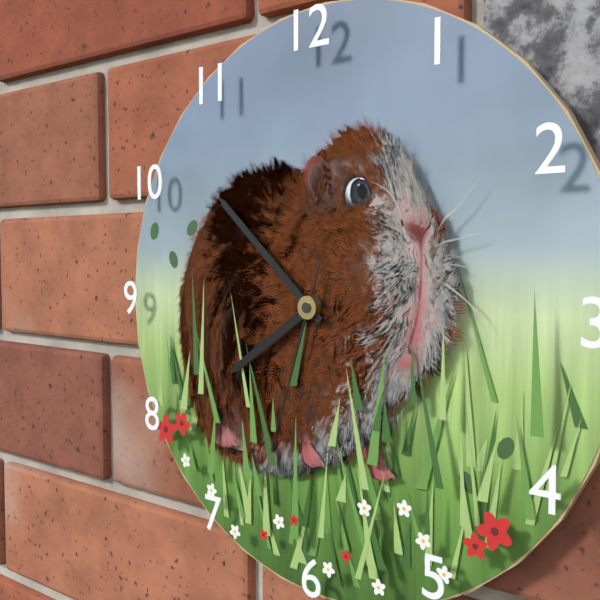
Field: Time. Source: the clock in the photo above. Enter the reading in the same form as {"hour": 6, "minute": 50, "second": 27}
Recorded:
{"hour": 7, "minute": 52, "second": 33}
